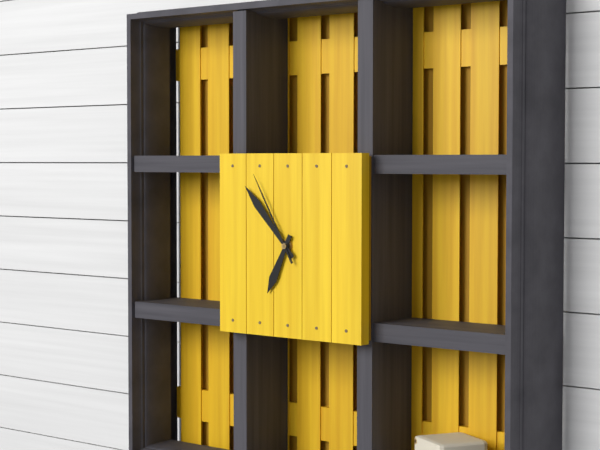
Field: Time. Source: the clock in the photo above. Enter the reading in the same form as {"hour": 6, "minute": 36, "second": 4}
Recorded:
{"hour": 6, "minute": 53, "second": 55}
